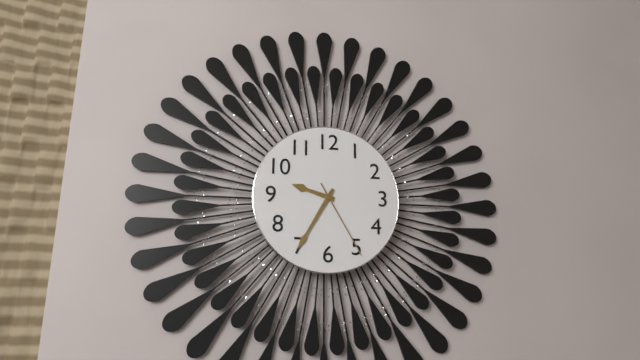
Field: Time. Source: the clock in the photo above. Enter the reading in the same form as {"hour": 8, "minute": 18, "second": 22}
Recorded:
{"hour": 9, "minute": 35, "second": 25}
